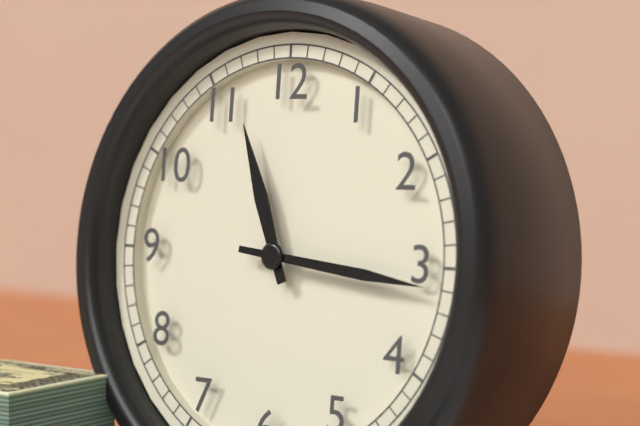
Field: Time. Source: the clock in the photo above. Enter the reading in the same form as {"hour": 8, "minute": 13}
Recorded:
{"hour": 11, "minute": 16}
